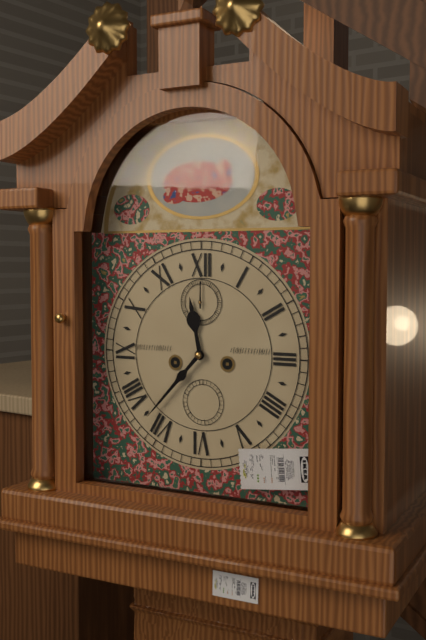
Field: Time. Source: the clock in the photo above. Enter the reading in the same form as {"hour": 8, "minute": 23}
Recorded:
{"hour": 11, "minute": 37}
